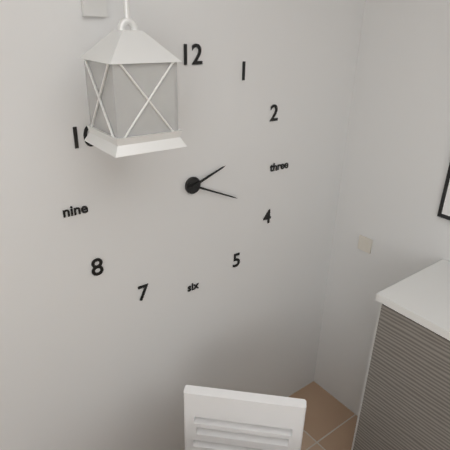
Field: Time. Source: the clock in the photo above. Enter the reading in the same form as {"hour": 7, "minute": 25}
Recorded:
{"hour": 2, "minute": 19}
